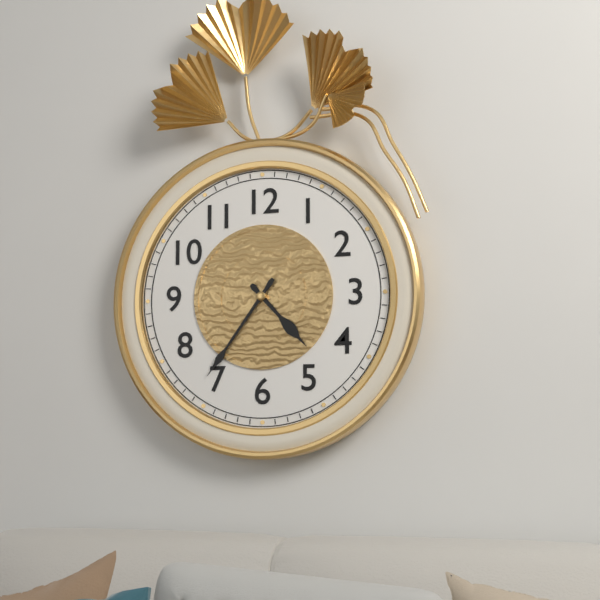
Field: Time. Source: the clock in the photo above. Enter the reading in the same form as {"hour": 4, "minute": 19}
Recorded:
{"hour": 4, "minute": 36}
